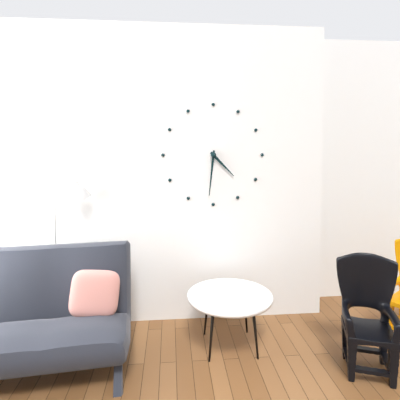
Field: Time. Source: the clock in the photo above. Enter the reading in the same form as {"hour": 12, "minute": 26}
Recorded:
{"hour": 4, "minute": 31}
